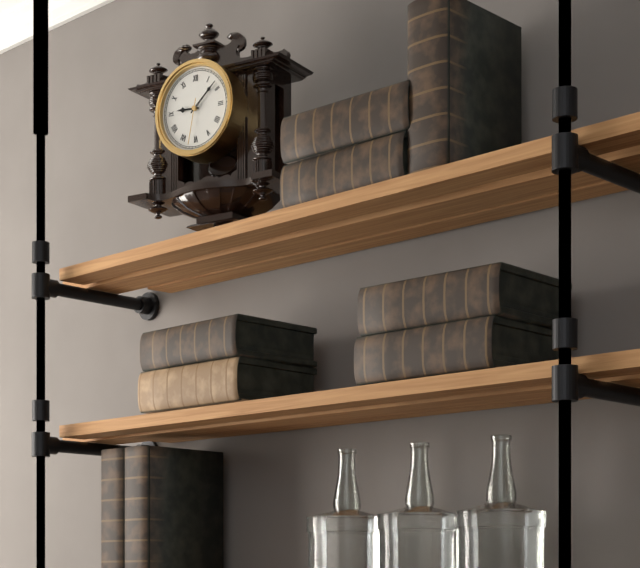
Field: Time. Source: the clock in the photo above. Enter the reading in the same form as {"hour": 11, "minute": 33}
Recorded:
{"hour": 9, "minute": 8}
